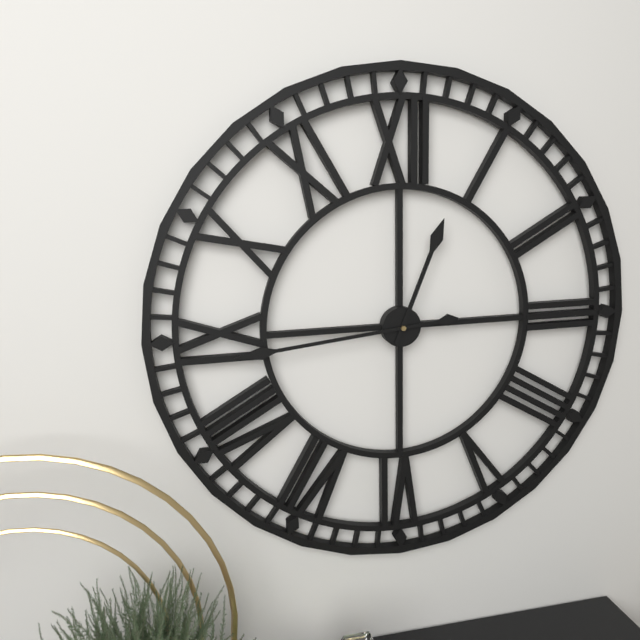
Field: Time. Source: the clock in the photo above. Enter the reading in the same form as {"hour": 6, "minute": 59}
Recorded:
{"hour": 12, "minute": 44}
